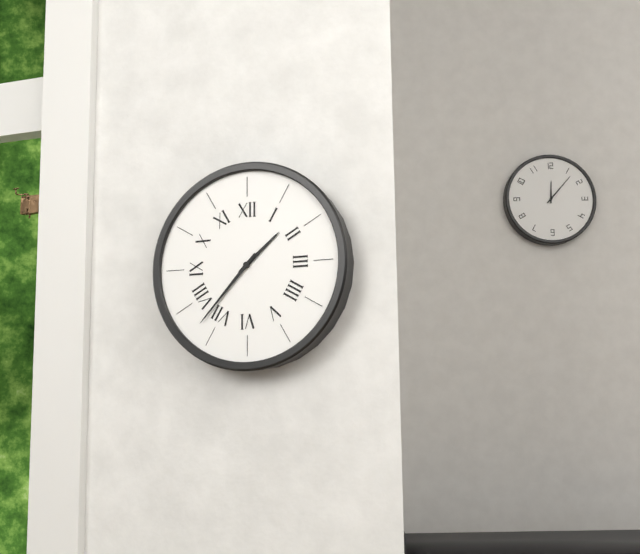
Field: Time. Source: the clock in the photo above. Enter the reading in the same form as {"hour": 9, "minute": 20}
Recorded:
{"hour": 1, "minute": 37}
